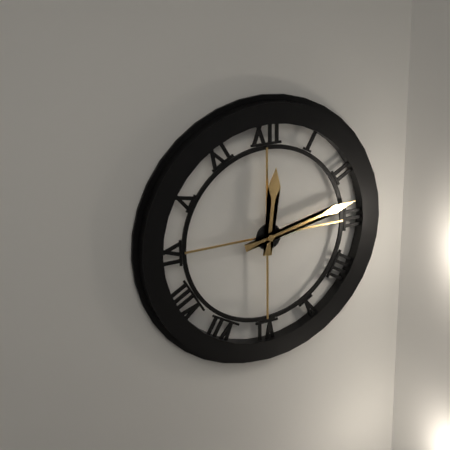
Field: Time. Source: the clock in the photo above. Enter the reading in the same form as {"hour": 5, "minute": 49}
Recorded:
{"hour": 12, "minute": 13}
